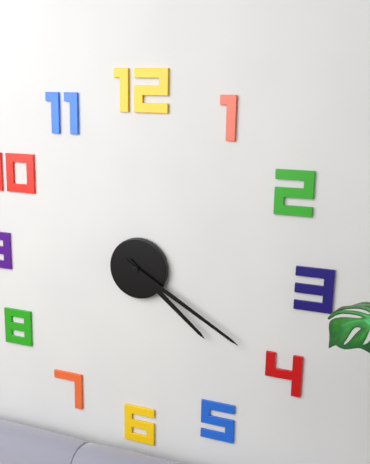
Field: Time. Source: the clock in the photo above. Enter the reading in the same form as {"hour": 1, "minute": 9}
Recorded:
{"hour": 4, "minute": 20}
